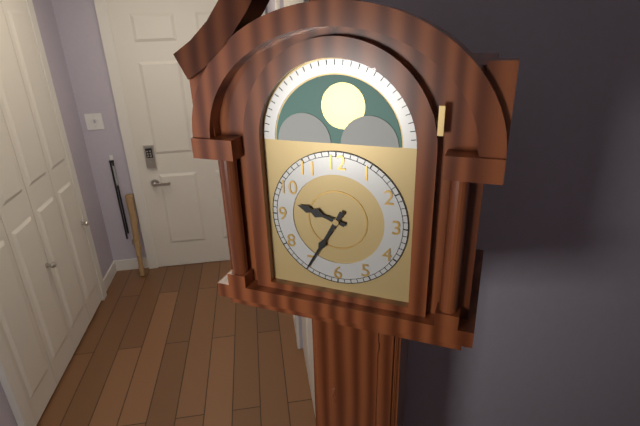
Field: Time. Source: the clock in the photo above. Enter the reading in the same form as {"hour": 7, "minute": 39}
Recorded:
{"hour": 9, "minute": 35}
